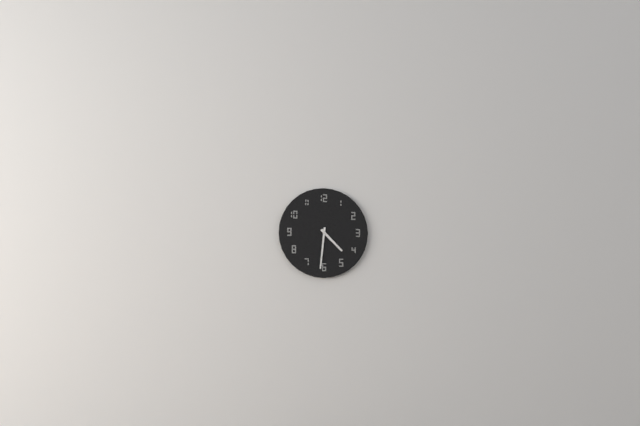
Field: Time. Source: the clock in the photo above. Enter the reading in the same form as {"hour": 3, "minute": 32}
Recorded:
{"hour": 4, "minute": 31}
